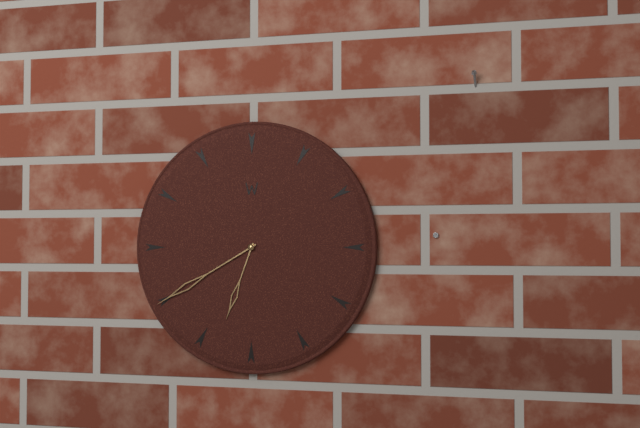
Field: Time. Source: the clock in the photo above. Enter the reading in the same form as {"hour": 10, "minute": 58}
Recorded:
{"hour": 6, "minute": 40}
